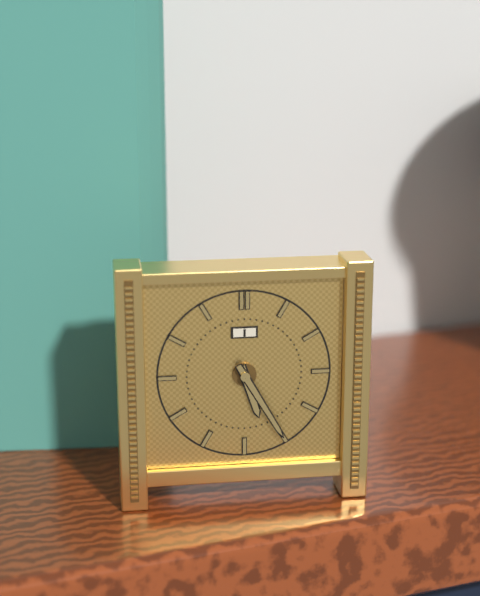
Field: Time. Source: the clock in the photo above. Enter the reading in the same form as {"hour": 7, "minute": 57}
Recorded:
{"hour": 5, "minute": 25}
